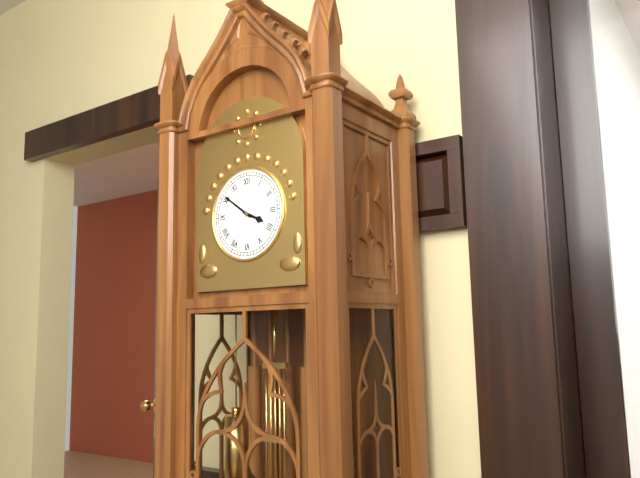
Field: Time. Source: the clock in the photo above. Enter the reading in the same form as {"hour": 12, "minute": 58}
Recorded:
{"hour": 3, "minute": 51}
